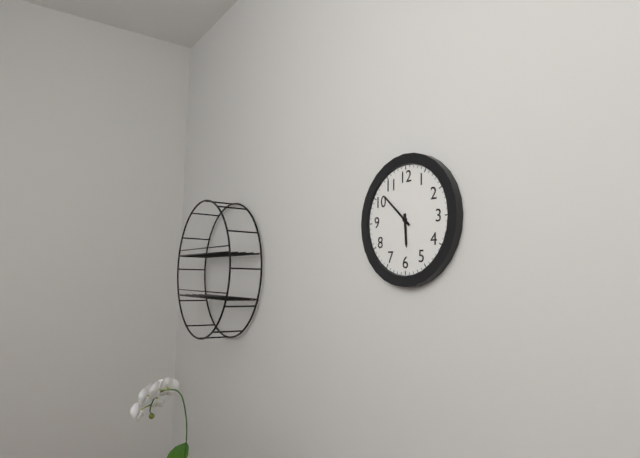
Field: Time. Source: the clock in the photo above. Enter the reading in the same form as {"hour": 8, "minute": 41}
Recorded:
{"hour": 5, "minute": 52}
